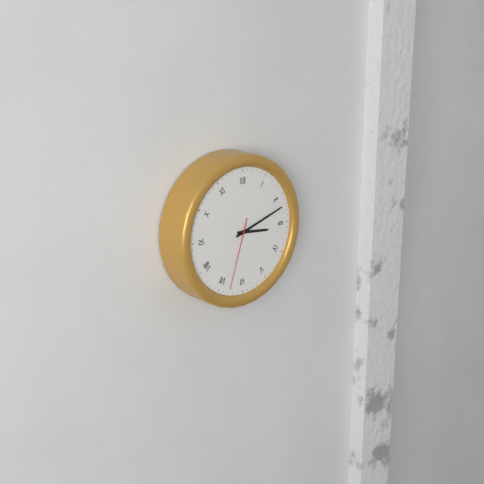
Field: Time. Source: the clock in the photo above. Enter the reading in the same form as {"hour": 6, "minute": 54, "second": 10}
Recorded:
{"hour": 3, "minute": 12, "second": 33}
